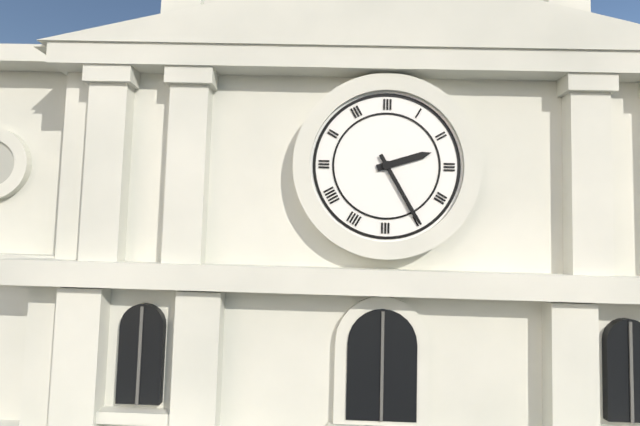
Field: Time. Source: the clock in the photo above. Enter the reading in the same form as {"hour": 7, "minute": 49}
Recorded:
{"hour": 2, "minute": 25}
